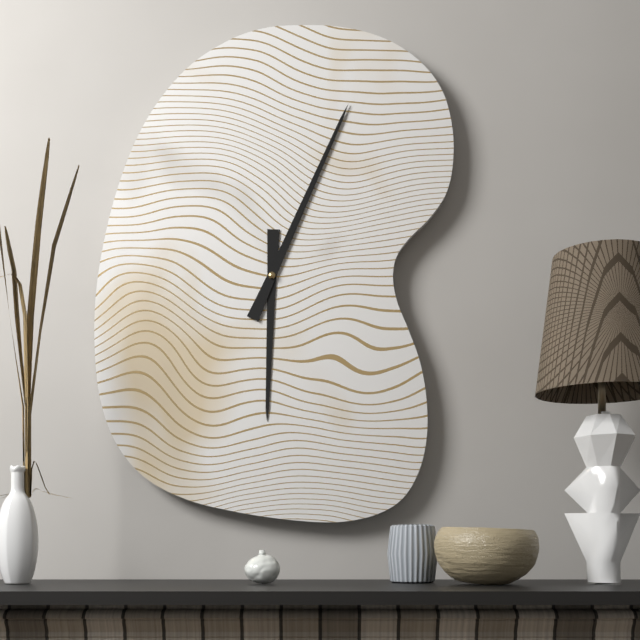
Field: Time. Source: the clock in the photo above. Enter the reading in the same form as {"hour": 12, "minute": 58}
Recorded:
{"hour": 6, "minute": 4}
